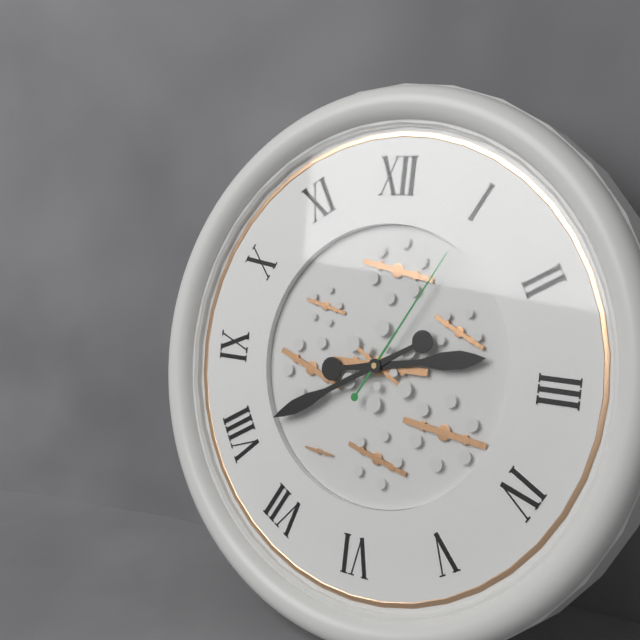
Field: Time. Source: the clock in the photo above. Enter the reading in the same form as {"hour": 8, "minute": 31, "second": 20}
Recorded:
{"hour": 2, "minute": 40, "second": 5}
